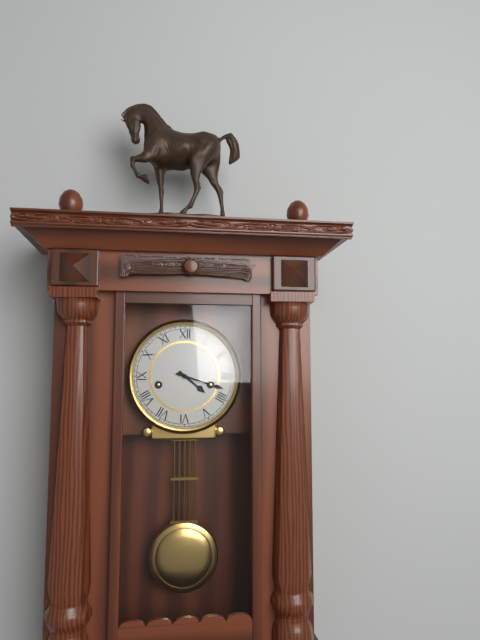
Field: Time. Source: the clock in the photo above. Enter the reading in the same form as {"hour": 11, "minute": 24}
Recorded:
{"hour": 4, "minute": 18}
